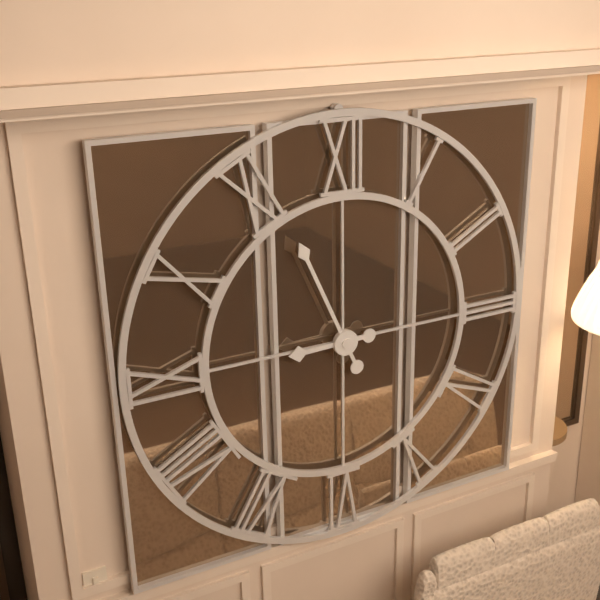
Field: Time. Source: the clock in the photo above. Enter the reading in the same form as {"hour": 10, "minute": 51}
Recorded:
{"hour": 8, "minute": 56}
